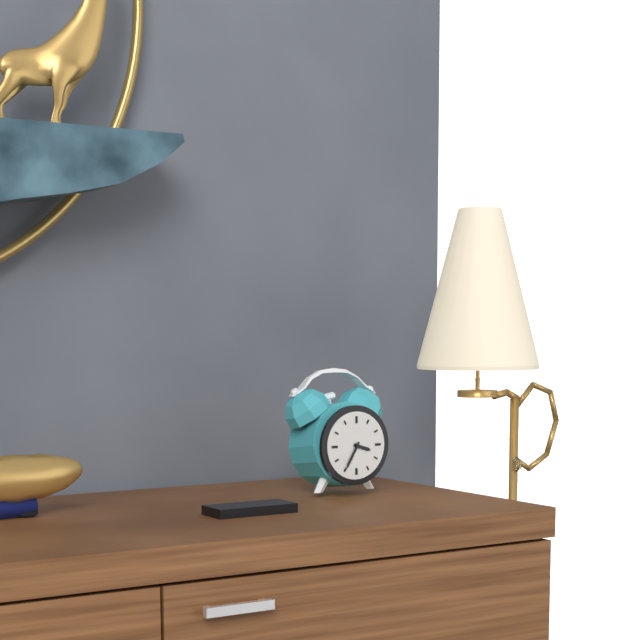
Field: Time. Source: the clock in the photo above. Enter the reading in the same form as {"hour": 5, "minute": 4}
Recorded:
{"hour": 3, "minute": 35}
